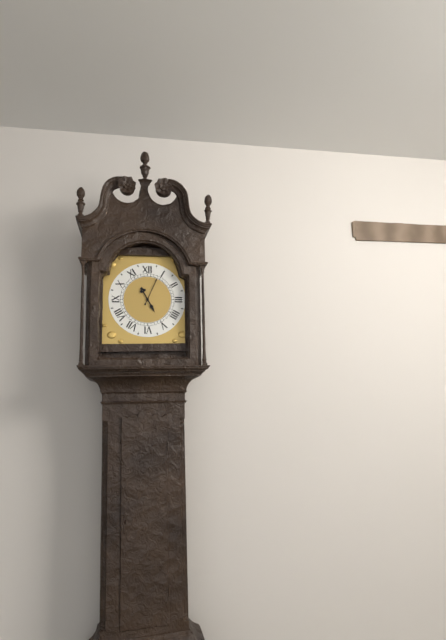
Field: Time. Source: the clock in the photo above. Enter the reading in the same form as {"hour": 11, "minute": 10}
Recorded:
{"hour": 5, "minute": 4}
